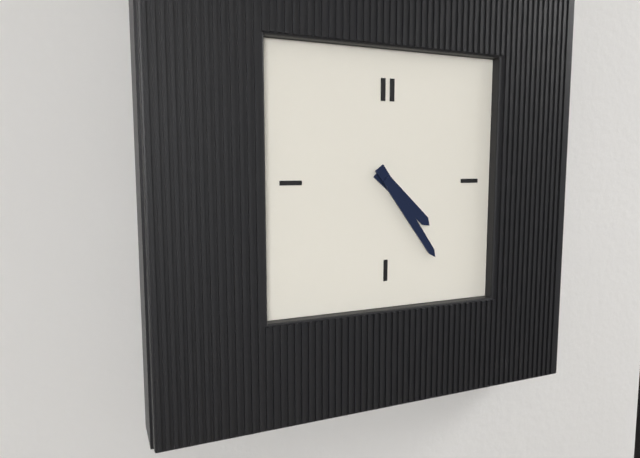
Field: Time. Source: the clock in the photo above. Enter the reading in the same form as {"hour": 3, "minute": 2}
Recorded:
{"hour": 4, "minute": 24}
